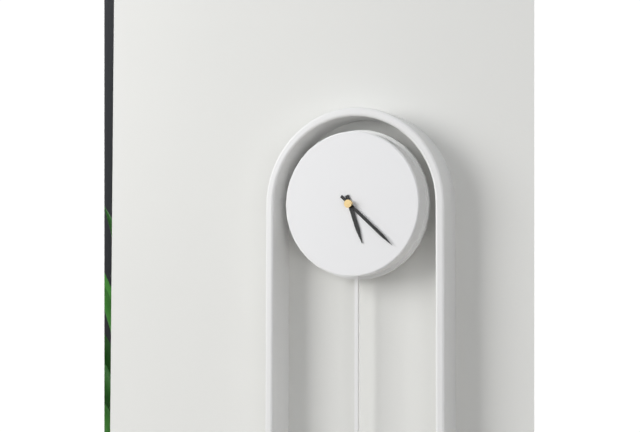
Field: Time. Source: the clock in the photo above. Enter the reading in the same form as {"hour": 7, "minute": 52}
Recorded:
{"hour": 5, "minute": 22}
